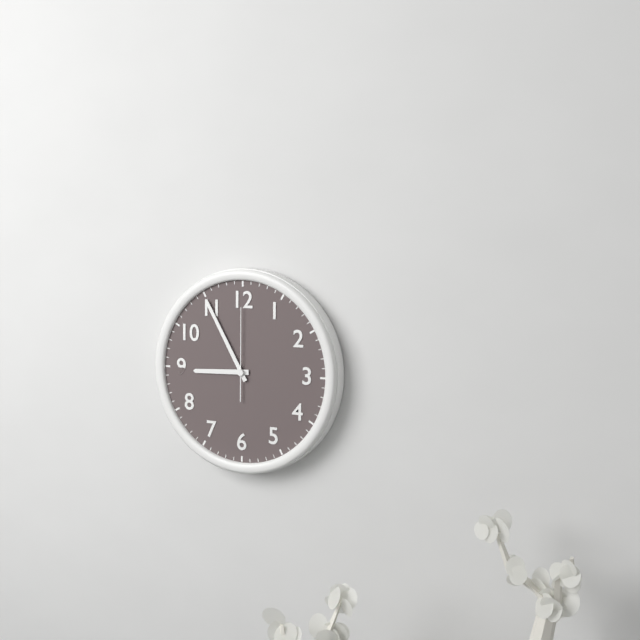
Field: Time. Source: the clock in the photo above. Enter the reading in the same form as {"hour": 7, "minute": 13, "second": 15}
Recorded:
{"hour": 8, "minute": 55, "second": 0}
